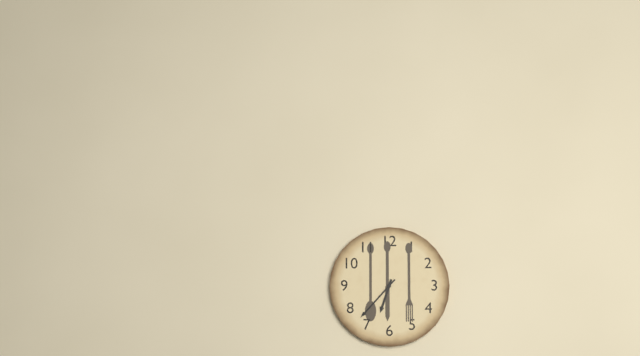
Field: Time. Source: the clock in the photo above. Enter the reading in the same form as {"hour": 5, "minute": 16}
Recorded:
{"hour": 6, "minute": 37}
